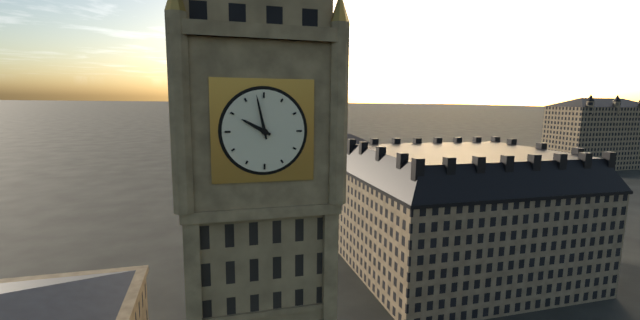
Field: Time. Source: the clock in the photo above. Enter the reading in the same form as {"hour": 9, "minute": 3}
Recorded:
{"hour": 9, "minute": 58}
